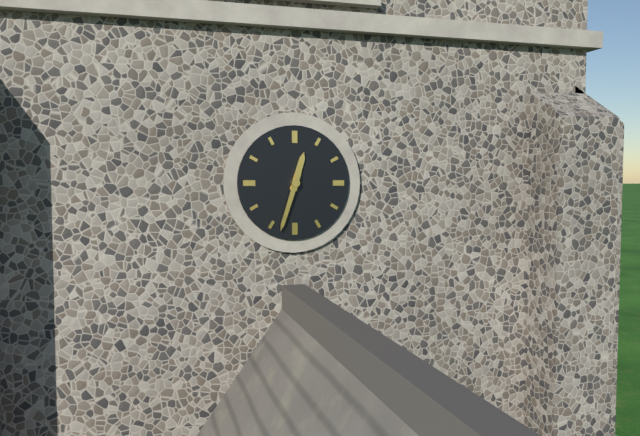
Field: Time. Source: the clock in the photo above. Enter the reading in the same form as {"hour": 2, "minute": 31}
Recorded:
{"hour": 12, "minute": 33}
